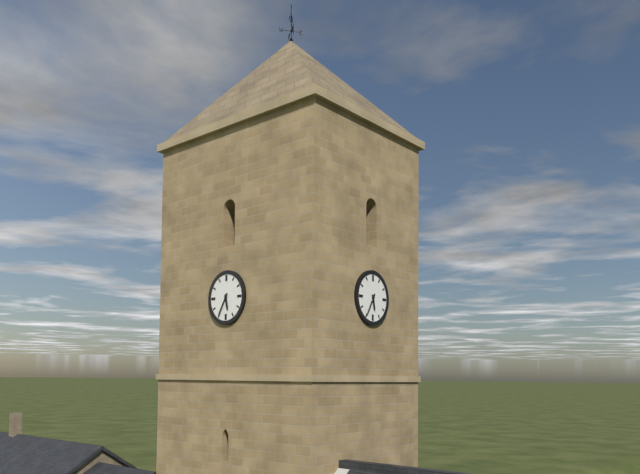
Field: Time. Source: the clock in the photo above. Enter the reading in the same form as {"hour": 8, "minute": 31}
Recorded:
{"hour": 5, "minute": 35}
